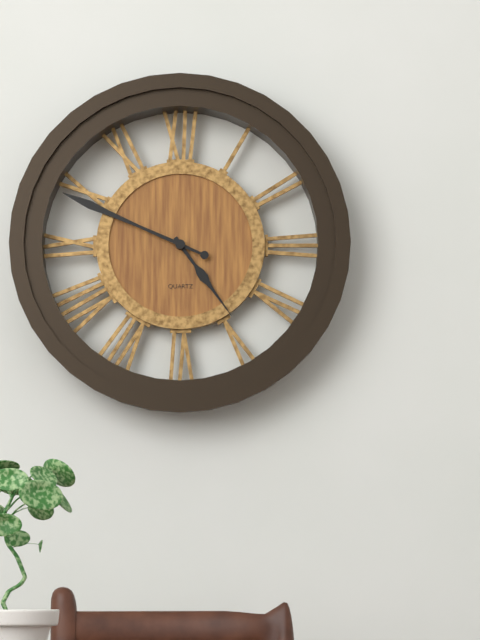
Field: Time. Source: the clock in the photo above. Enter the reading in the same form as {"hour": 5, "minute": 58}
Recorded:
{"hour": 4, "minute": 49}
